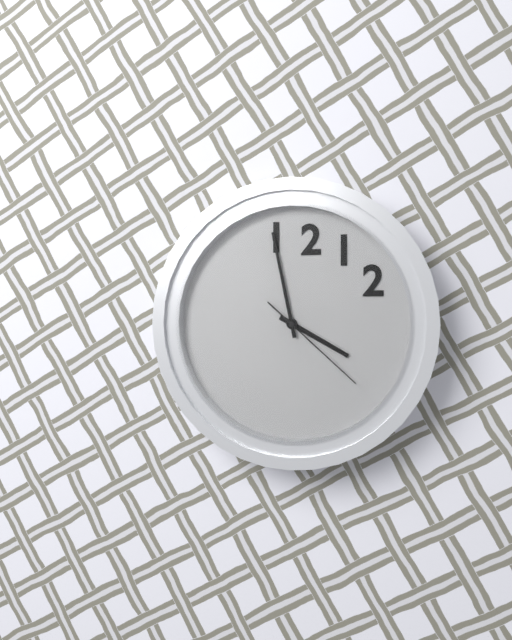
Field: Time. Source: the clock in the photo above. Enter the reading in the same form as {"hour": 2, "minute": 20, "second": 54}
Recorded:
{"hour": 3, "minute": 58, "second": 22}
